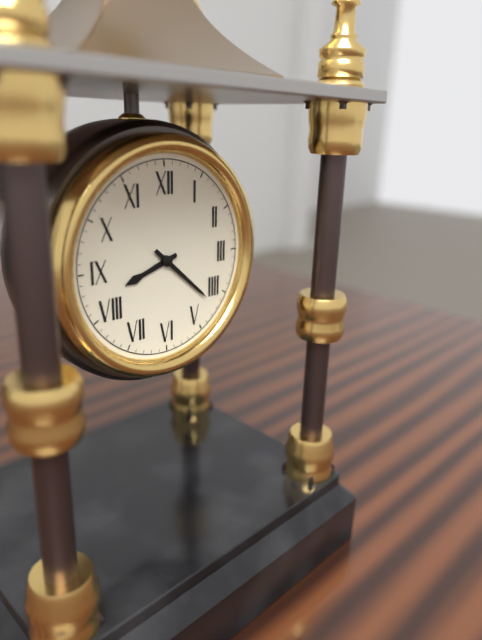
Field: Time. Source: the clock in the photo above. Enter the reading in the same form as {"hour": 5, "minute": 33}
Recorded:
{"hour": 8, "minute": 22}
